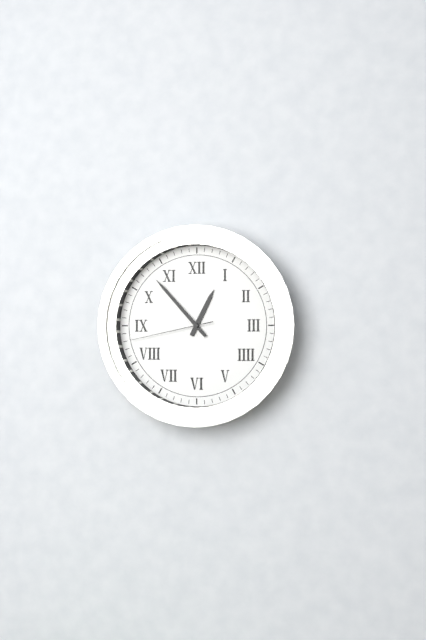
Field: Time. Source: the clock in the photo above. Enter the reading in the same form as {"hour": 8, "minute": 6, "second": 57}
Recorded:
{"hour": 12, "minute": 53, "second": 43}
